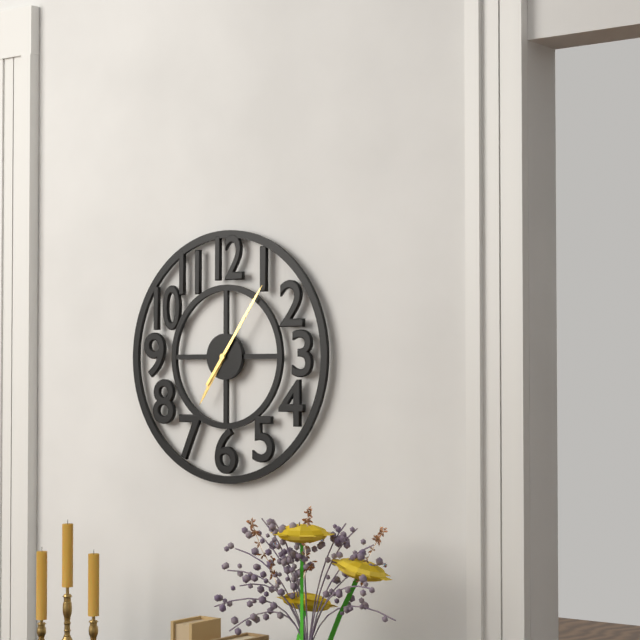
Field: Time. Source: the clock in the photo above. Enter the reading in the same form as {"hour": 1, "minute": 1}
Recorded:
{"hour": 7, "minute": 6}
